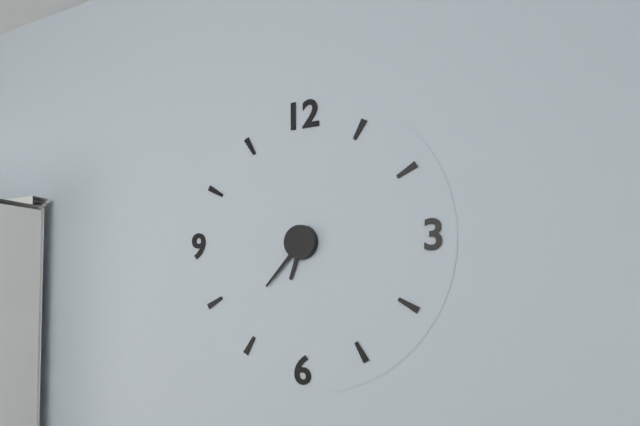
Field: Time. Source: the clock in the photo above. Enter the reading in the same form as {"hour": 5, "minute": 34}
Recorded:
{"hour": 6, "minute": 37}
